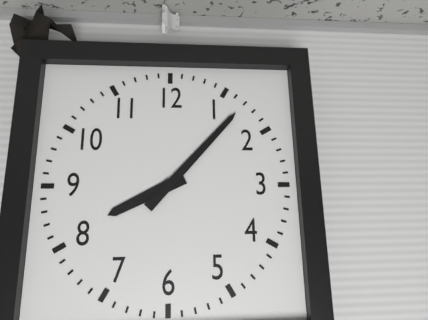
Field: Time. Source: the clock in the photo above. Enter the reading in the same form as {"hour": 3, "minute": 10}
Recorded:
{"hour": 8, "minute": 7}
